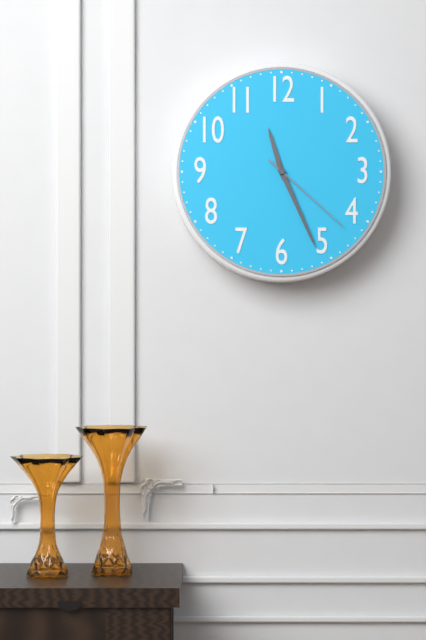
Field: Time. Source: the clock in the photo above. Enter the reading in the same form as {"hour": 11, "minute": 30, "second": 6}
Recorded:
{"hour": 11, "minute": 26, "second": 22}
